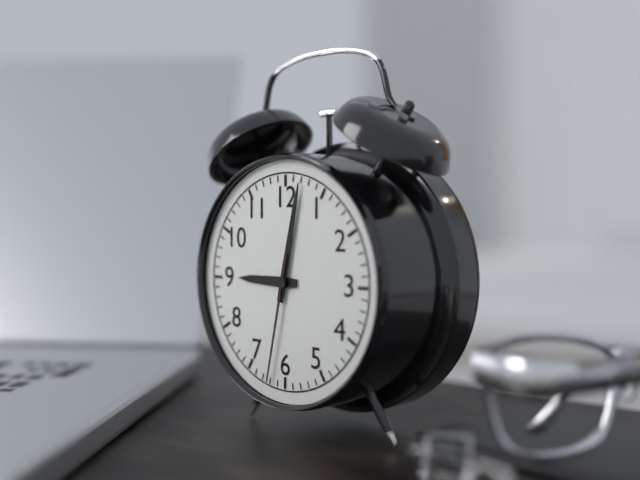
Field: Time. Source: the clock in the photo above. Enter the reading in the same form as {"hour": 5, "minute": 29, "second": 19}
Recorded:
{"hour": 9, "minute": 2, "second": 32}
